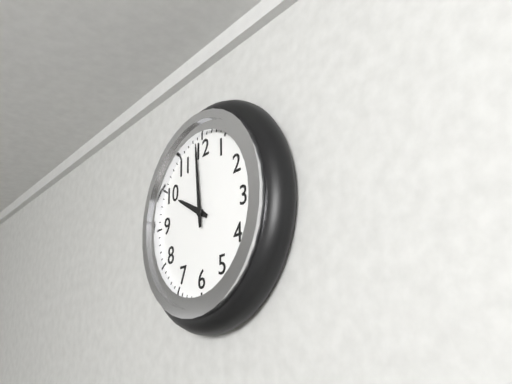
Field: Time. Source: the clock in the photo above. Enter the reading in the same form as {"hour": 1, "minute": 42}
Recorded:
{"hour": 9, "minute": 59}
